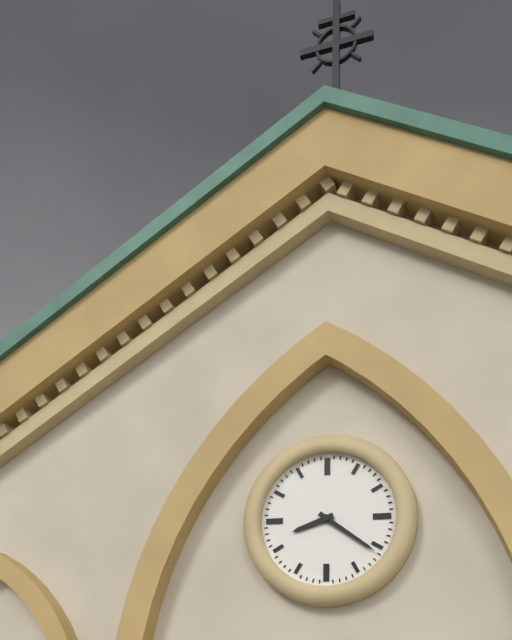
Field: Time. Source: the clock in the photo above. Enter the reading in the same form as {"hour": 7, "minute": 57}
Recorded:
{"hour": 8, "minute": 21}
